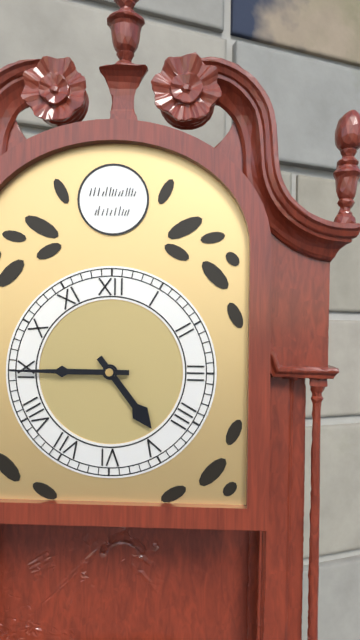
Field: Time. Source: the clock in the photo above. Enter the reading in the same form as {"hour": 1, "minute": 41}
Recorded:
{"hour": 4, "minute": 45}
